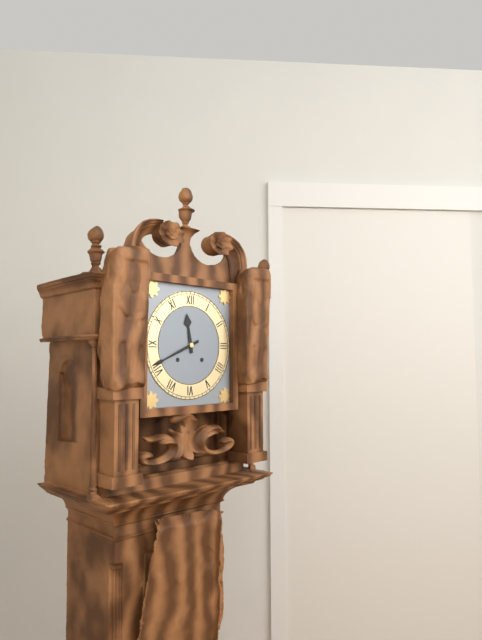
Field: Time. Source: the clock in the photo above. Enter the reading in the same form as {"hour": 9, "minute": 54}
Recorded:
{"hour": 11, "minute": 41}
